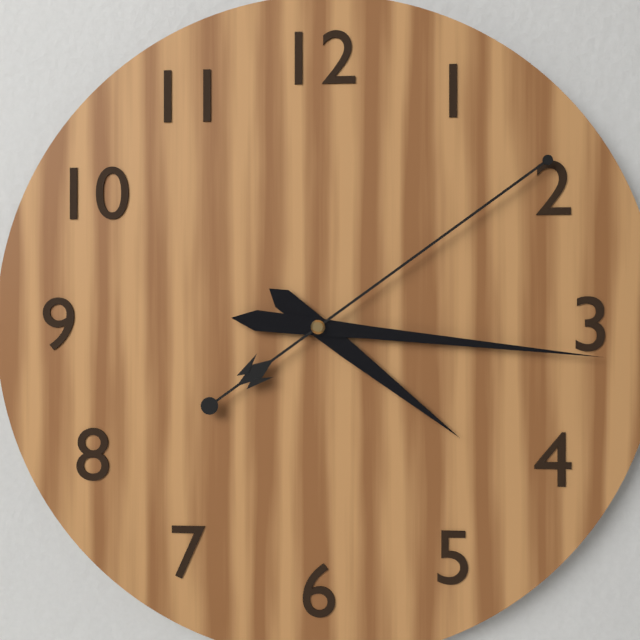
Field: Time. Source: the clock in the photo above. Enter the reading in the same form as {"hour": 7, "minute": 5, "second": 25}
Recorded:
{"hour": 4, "minute": 16, "second": 9}
